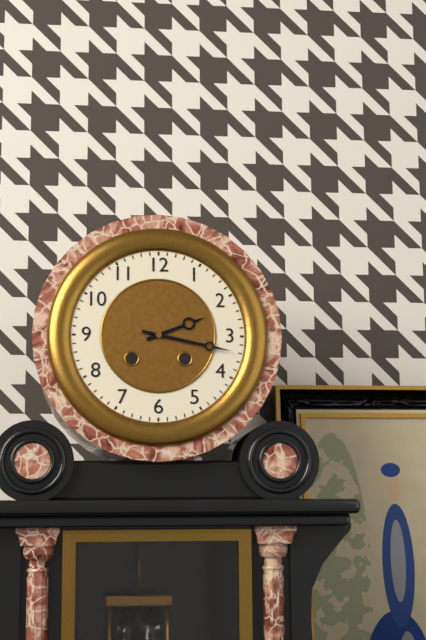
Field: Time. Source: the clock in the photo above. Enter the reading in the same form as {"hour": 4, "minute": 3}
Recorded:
{"hour": 2, "minute": 17}
